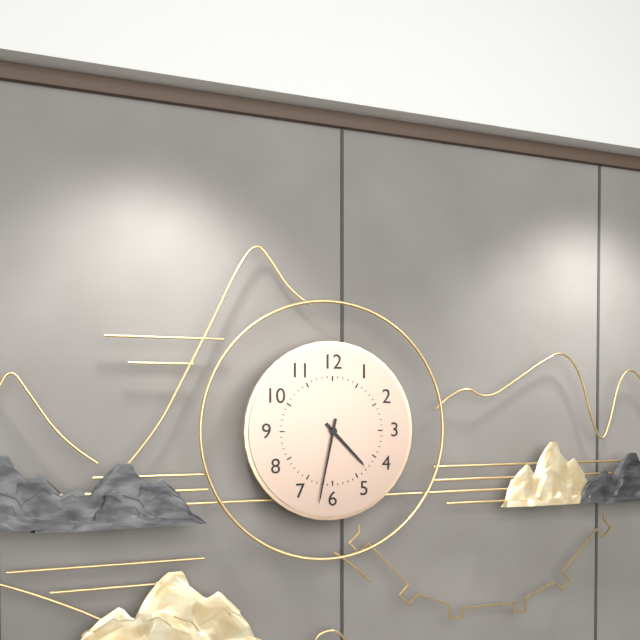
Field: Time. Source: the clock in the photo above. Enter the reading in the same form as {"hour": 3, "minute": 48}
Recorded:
{"hour": 4, "minute": 32}
